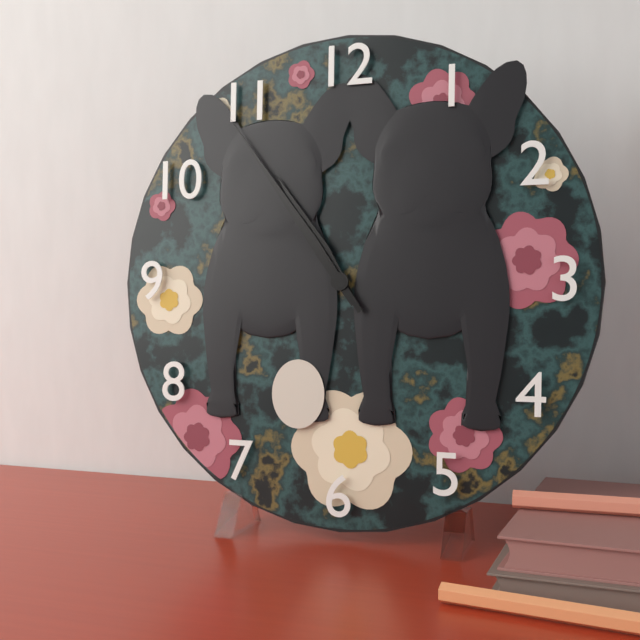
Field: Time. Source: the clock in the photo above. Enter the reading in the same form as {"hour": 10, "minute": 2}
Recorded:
{"hour": 10, "minute": 54}
